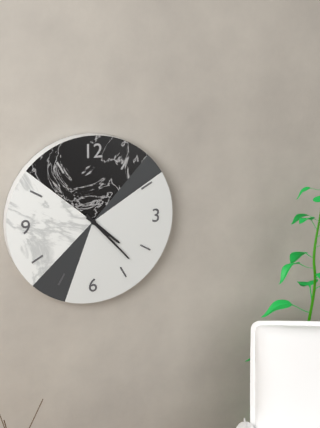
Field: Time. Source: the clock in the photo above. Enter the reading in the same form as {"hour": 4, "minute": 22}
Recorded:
{"hour": 4, "minute": 23}
